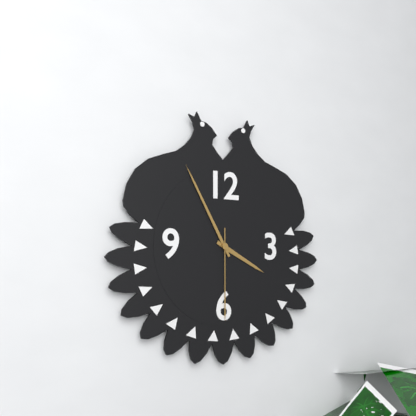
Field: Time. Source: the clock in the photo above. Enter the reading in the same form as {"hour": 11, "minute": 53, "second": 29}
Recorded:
{"hour": 3, "minute": 55, "second": 30}
